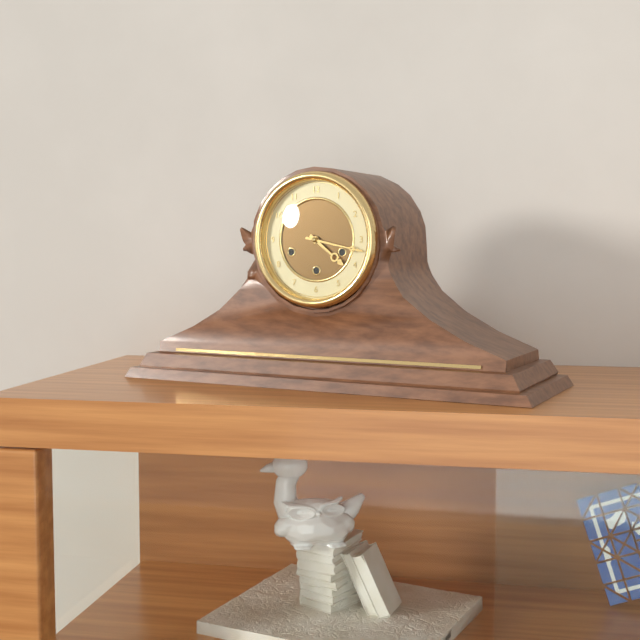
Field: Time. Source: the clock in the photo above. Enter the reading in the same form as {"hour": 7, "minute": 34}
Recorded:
{"hour": 4, "minute": 17}
